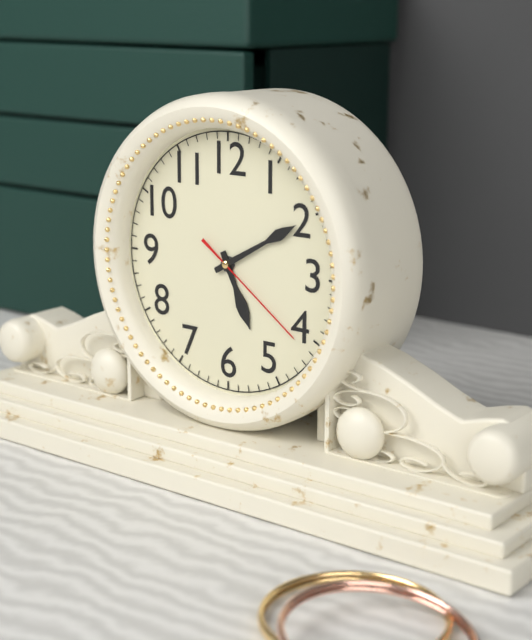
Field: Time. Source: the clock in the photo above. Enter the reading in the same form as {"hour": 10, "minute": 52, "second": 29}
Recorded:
{"hour": 5, "minute": 10, "second": 21}
